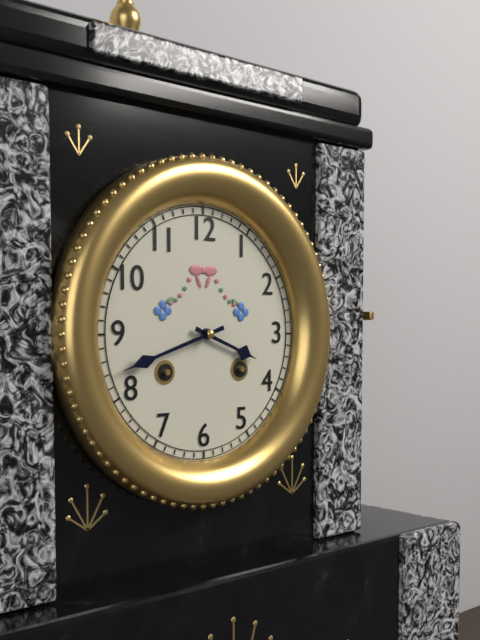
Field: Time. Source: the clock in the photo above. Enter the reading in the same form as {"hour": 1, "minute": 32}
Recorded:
{"hour": 3, "minute": 42}
